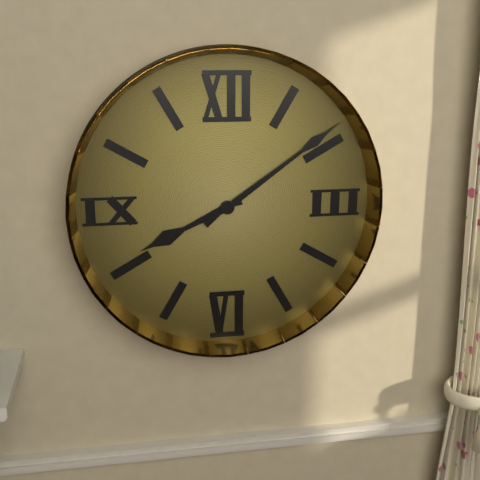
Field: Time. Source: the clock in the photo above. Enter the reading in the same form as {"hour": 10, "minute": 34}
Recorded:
{"hour": 8, "minute": 9}
